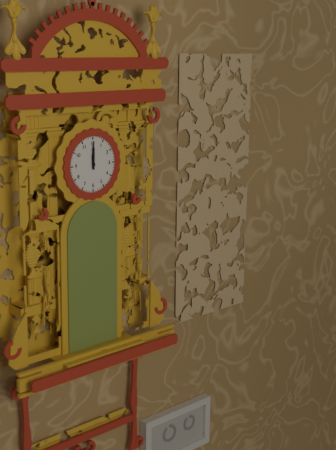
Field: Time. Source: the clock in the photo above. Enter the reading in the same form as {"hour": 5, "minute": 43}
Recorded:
{"hour": 12, "minute": 0}
